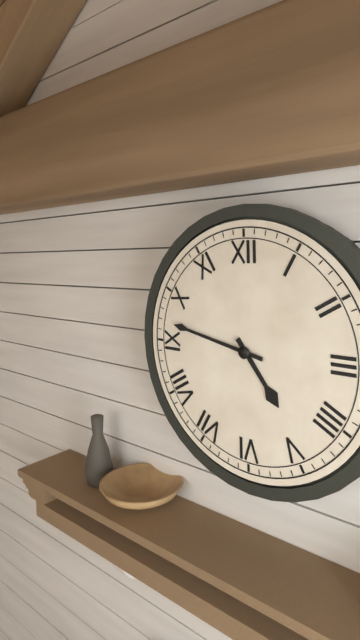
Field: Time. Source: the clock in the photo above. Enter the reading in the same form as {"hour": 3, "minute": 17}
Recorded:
{"hour": 4, "minute": 47}
